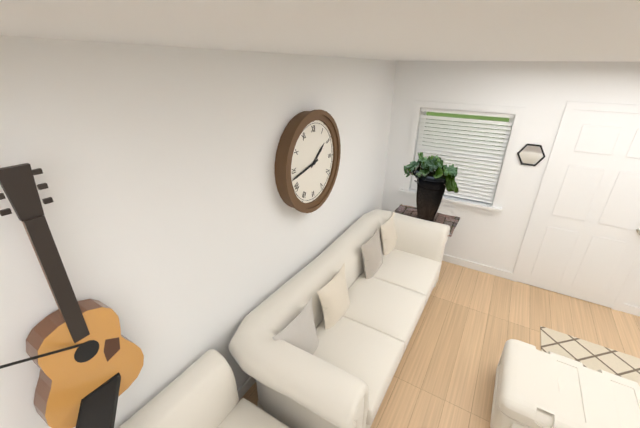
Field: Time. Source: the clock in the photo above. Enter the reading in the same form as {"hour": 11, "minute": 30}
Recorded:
{"hour": 1, "minute": 43}
